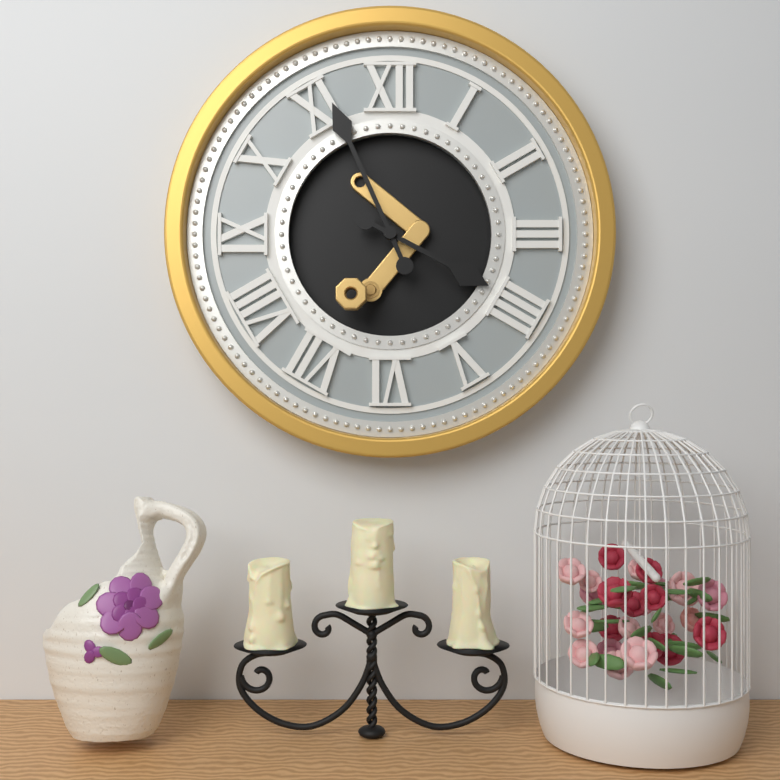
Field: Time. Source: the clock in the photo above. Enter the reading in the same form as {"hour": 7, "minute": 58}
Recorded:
{"hour": 3, "minute": 56}
